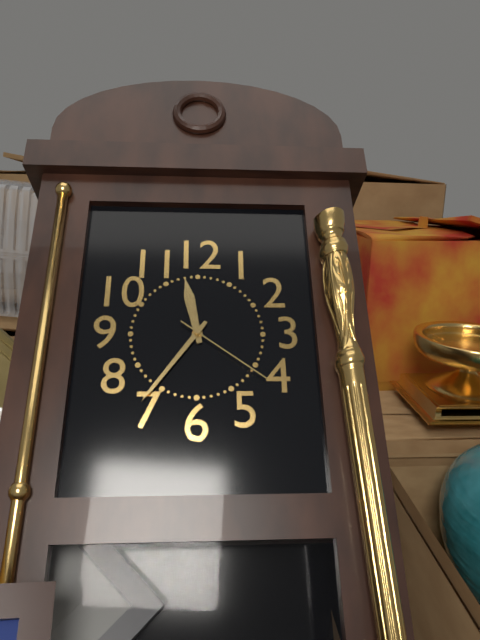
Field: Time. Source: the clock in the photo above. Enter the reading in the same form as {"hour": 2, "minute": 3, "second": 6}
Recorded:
{"hour": 11, "minute": 36, "second": 21}
